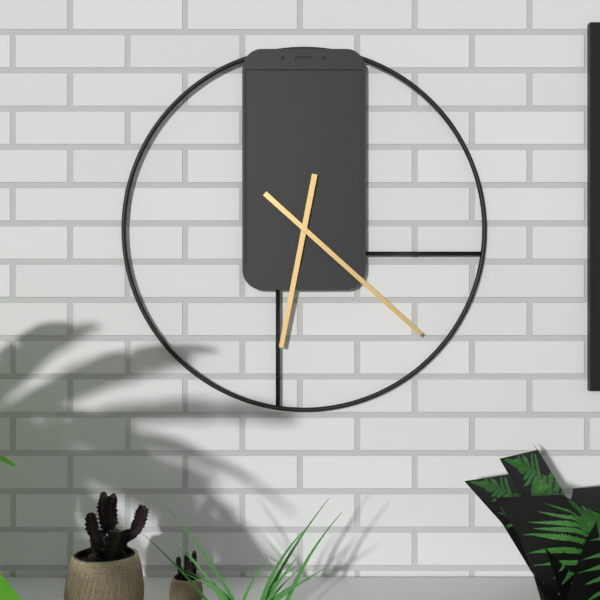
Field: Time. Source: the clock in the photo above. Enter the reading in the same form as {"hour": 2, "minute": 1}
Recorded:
{"hour": 6, "minute": 22}
